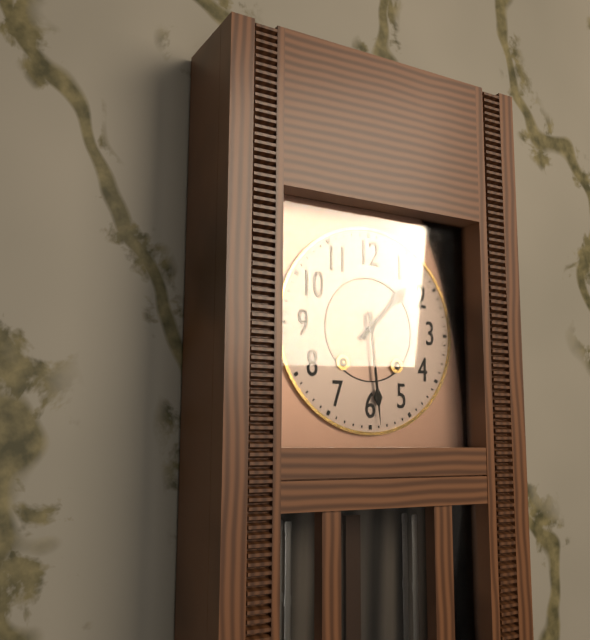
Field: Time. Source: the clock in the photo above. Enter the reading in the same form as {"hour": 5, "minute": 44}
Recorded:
{"hour": 1, "minute": 29}
